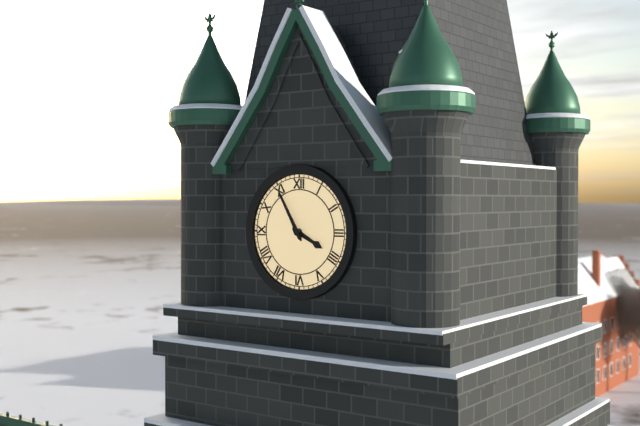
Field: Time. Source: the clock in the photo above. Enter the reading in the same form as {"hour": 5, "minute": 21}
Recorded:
{"hour": 3, "minute": 55}
